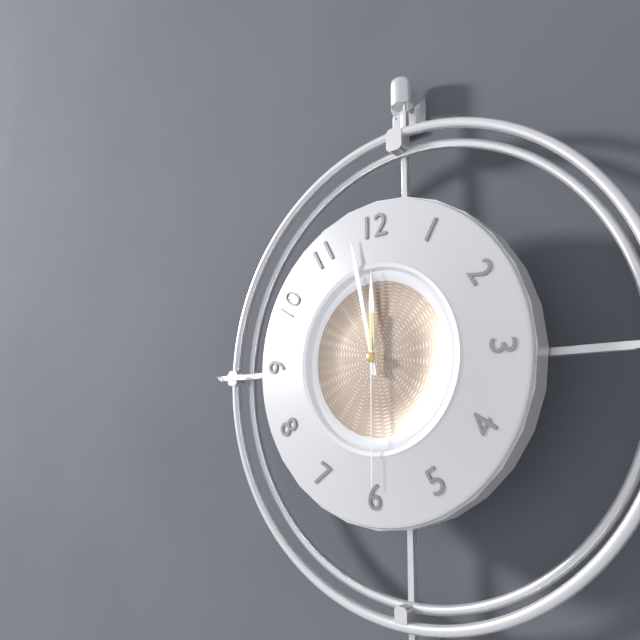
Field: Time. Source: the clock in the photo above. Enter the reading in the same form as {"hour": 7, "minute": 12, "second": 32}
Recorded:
{"hour": 11, "minute": 58, "second": 30}
